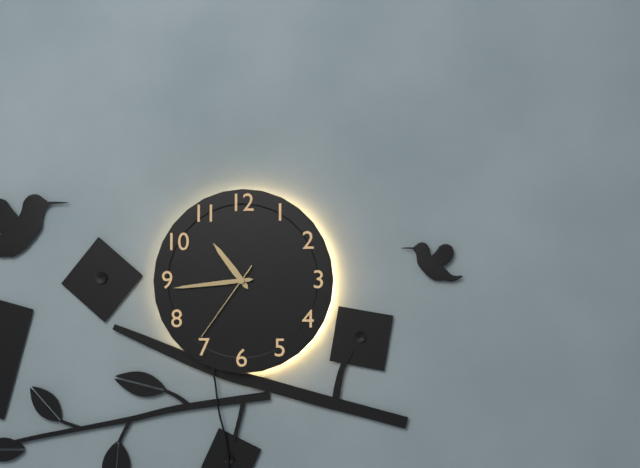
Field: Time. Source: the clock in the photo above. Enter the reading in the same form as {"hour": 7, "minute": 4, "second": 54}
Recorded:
{"hour": 10, "minute": 44, "second": 36}
